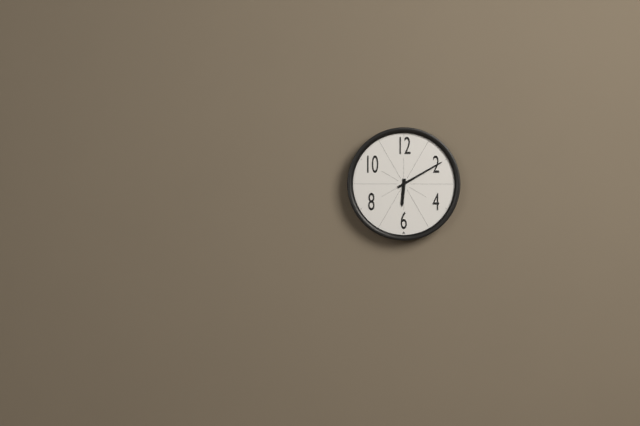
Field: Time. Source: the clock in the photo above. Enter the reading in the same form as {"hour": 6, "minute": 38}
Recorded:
{"hour": 6, "minute": 10}
